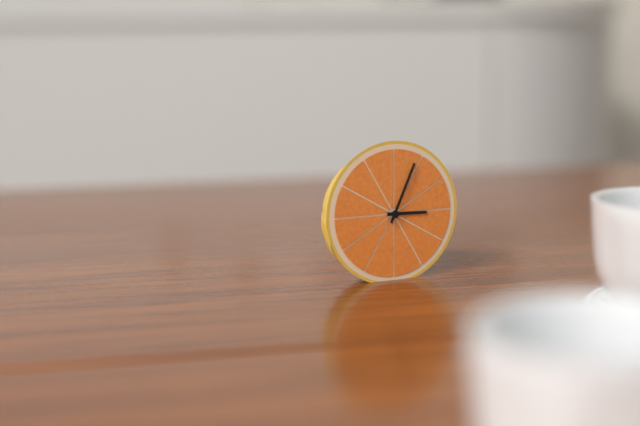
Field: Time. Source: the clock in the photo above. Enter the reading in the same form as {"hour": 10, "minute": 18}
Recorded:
{"hour": 3, "minute": 4}
